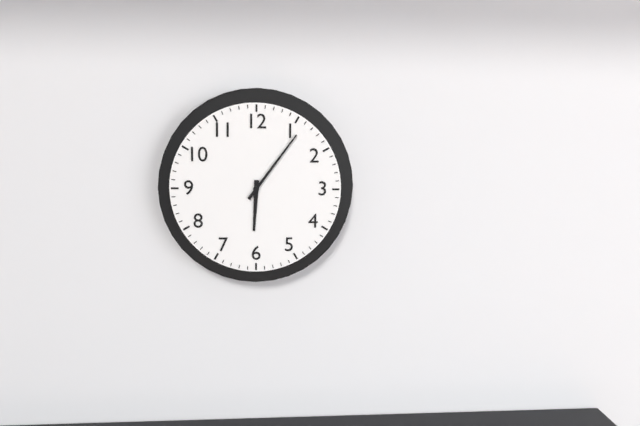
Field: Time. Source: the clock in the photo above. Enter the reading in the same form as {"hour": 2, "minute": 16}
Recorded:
{"hour": 6, "minute": 6}
